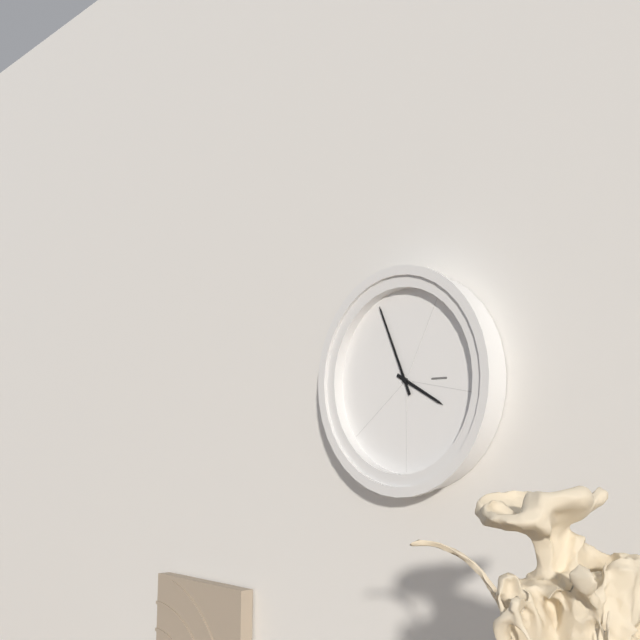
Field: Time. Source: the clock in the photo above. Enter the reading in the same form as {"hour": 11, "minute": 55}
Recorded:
{"hour": 3, "minute": 56}
